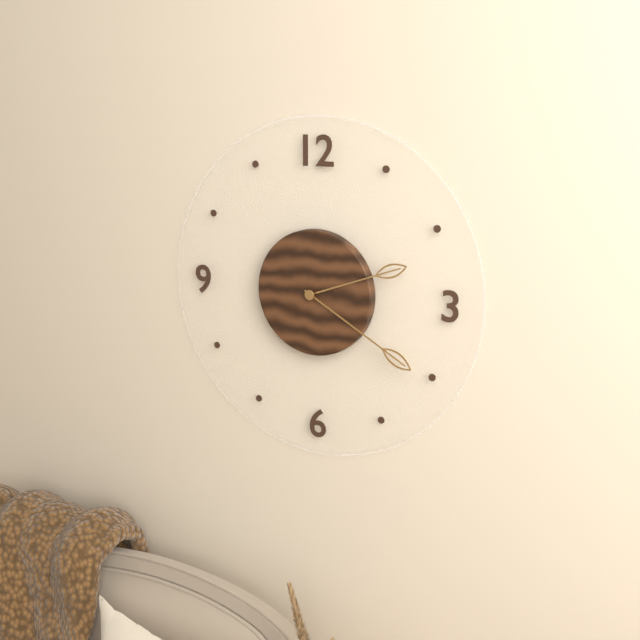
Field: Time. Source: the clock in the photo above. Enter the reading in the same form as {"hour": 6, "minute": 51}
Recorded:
{"hour": 2, "minute": 20}
